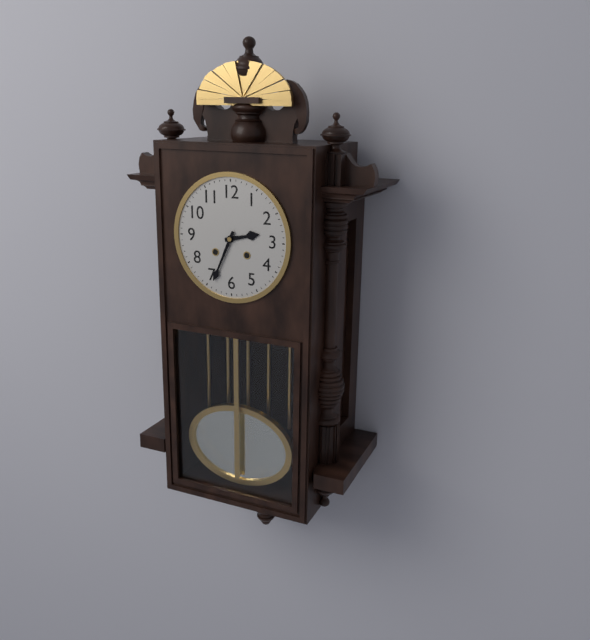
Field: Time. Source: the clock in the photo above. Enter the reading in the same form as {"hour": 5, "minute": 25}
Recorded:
{"hour": 2, "minute": 34}
